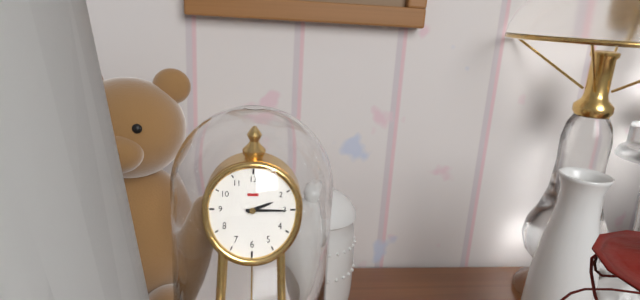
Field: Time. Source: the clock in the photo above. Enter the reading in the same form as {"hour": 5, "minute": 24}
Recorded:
{"hour": 2, "minute": 15}
